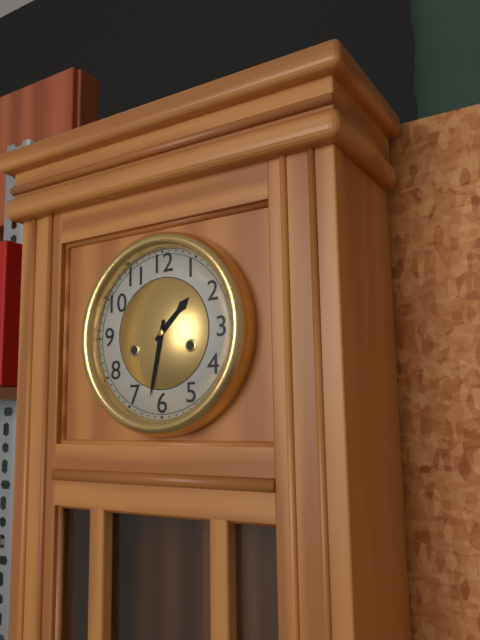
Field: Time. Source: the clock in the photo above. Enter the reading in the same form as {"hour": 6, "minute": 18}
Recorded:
{"hour": 1, "minute": 32}
